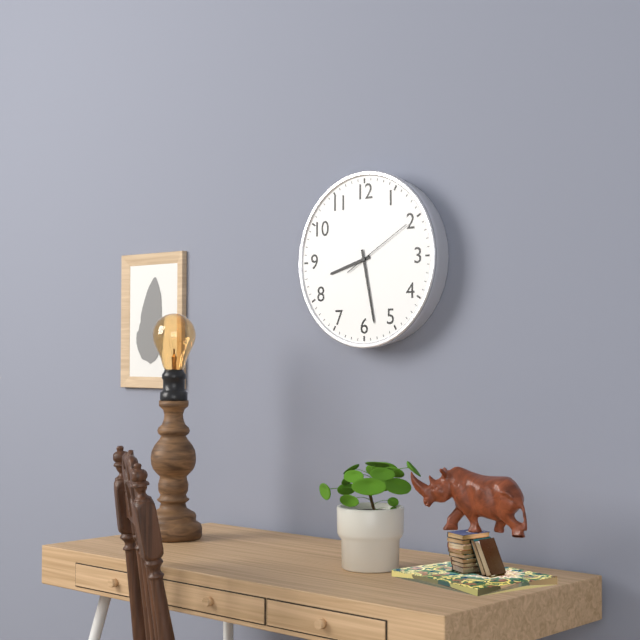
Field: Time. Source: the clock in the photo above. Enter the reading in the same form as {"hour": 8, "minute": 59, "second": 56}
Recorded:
{"hour": 8, "minute": 28, "second": 10}
